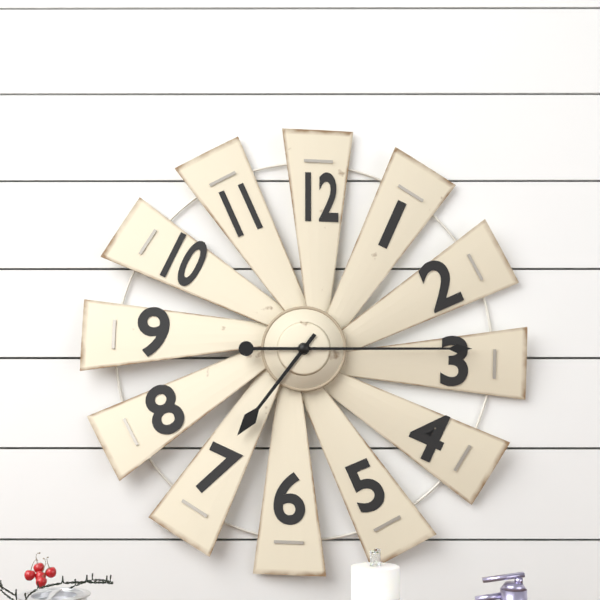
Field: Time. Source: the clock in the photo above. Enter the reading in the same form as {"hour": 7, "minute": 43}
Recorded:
{"hour": 7, "minute": 15}
